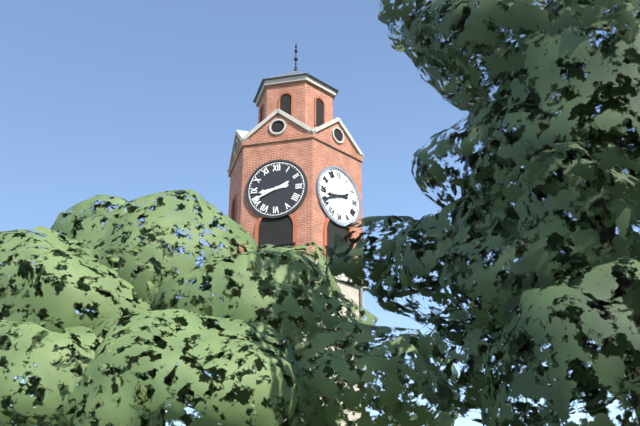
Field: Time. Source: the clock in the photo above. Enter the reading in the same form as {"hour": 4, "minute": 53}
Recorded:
{"hour": 8, "minute": 41}
